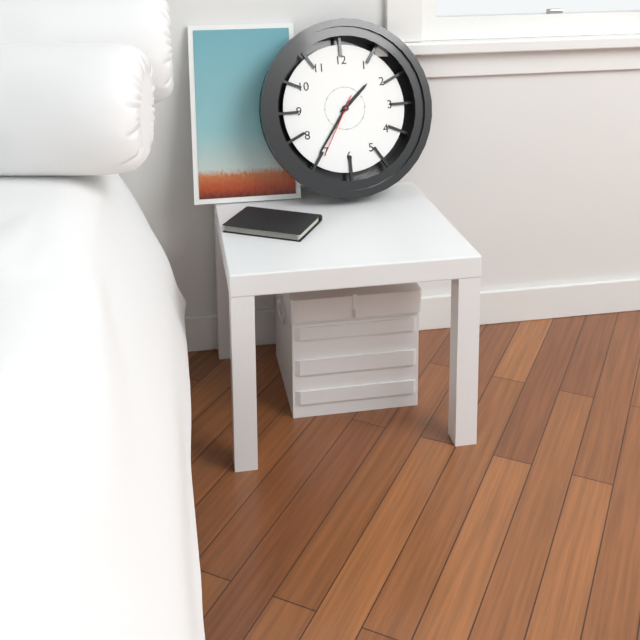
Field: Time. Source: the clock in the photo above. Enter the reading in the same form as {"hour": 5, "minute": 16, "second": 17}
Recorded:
{"hour": 1, "minute": 36, "second": 35}
